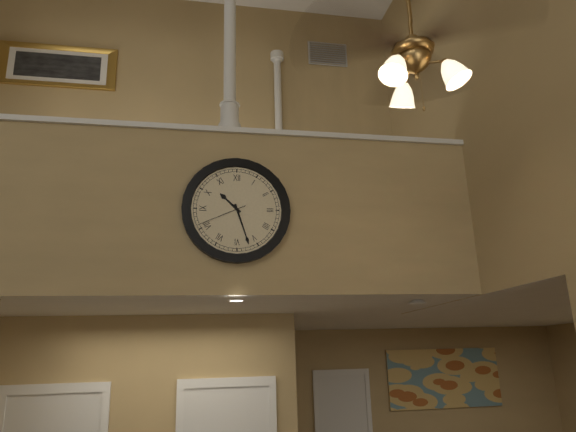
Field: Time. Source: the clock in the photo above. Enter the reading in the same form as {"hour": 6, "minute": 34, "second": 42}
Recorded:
{"hour": 10, "minute": 27, "second": 41}
